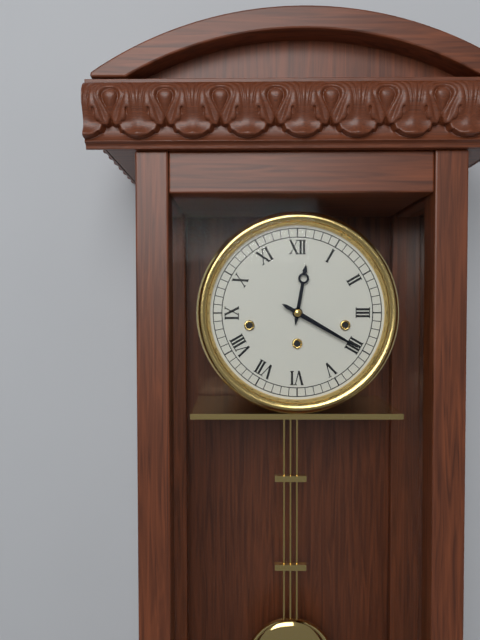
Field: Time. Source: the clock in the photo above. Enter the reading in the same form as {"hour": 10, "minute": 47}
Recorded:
{"hour": 12, "minute": 20}
